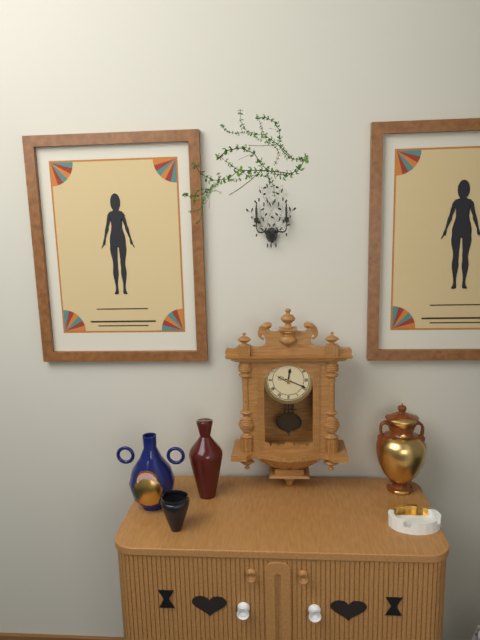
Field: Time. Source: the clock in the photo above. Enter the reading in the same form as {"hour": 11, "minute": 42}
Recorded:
{"hour": 12, "minute": 19}
